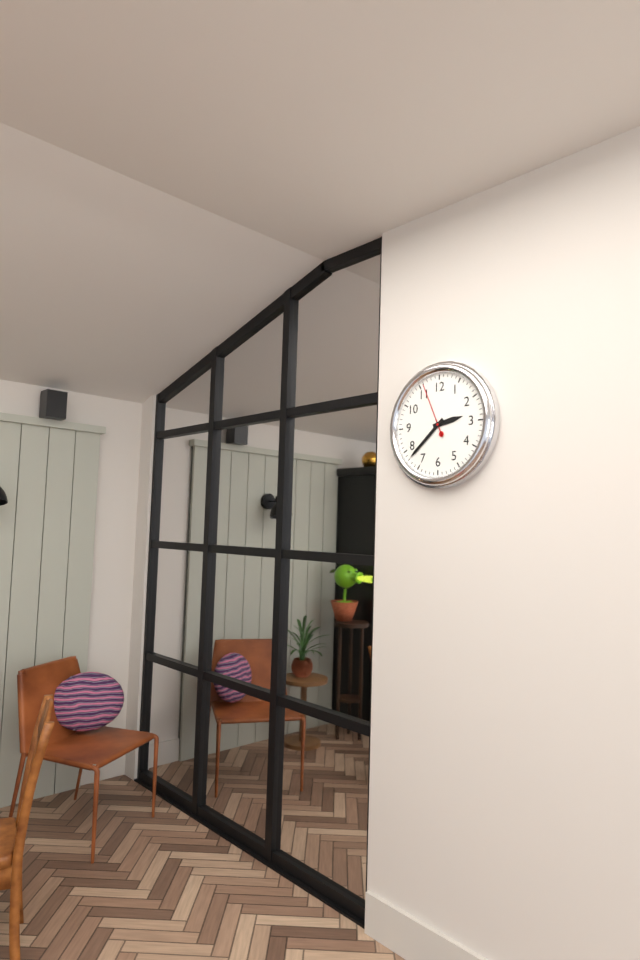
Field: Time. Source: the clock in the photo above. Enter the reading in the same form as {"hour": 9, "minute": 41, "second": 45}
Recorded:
{"hour": 2, "minute": 38, "second": 56}
